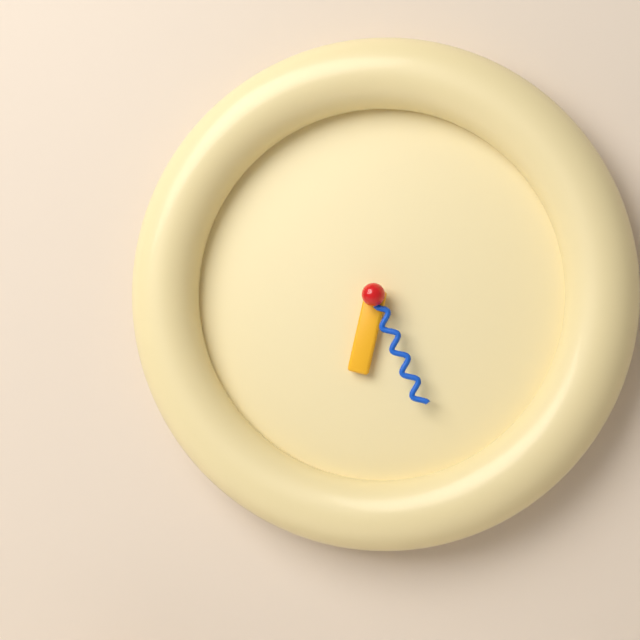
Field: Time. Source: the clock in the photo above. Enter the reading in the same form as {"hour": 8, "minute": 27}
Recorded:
{"hour": 6, "minute": 26}
